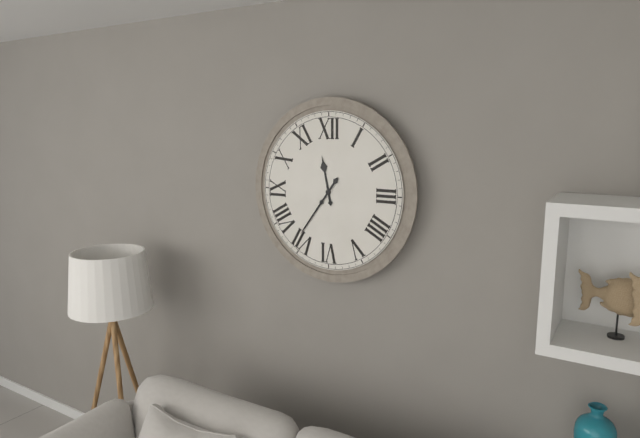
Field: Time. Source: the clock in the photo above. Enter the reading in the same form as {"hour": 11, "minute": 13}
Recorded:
{"hour": 11, "minute": 36}
